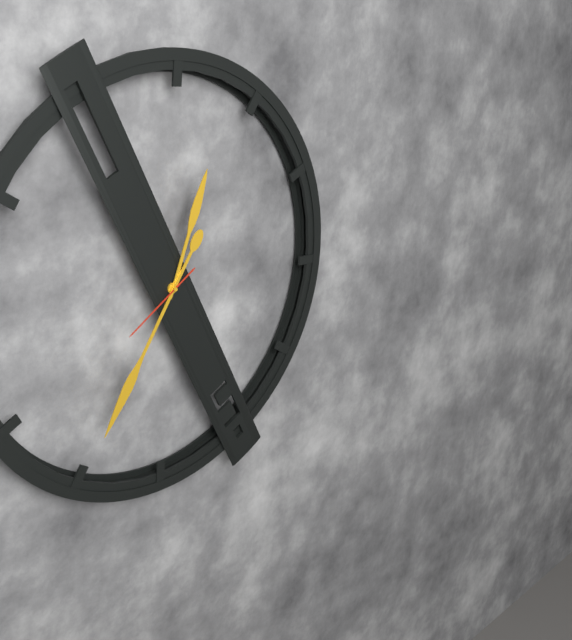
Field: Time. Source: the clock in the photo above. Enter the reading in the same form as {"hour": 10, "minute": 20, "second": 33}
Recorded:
{"hour": 12, "minute": 35, "second": 39}
